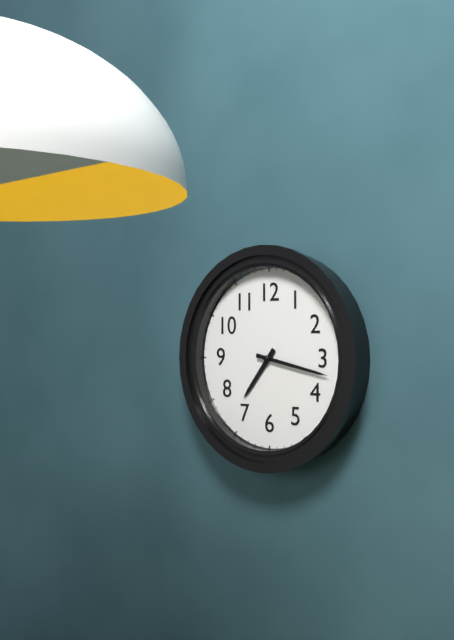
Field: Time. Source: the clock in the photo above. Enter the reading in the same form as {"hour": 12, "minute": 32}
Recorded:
{"hour": 7, "minute": 17}
